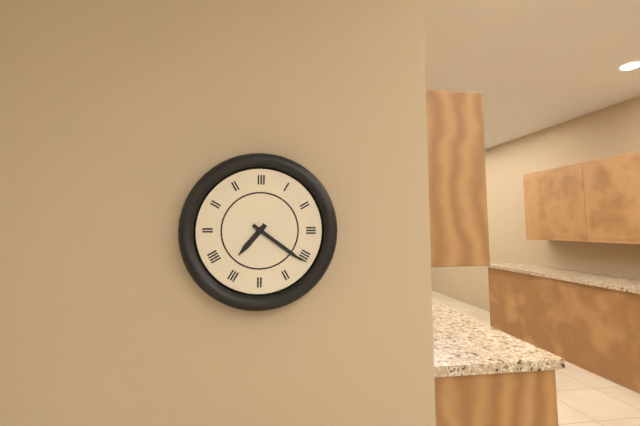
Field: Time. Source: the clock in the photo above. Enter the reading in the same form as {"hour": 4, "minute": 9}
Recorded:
{"hour": 7, "minute": 21}
